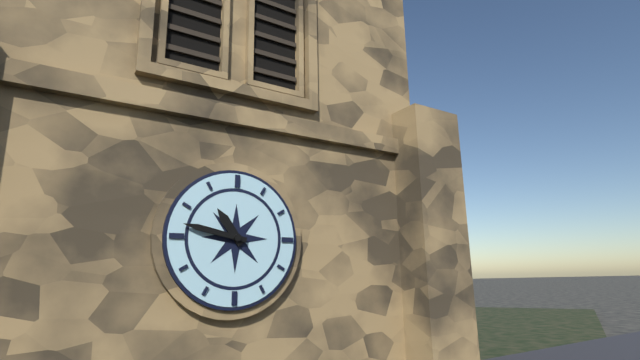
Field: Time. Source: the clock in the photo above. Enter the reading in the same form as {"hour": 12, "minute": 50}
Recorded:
{"hour": 10, "minute": 47}
